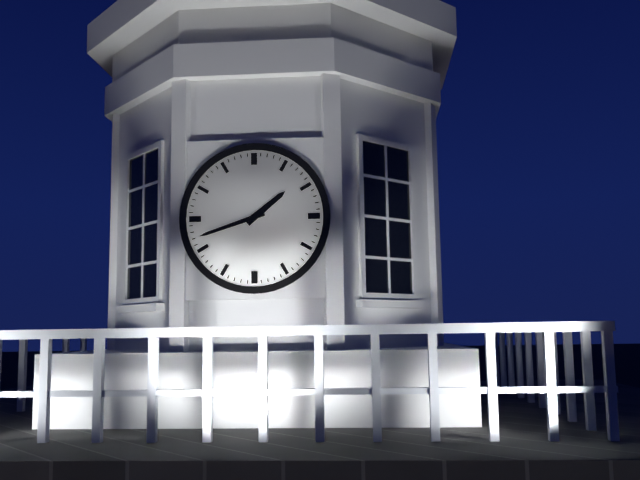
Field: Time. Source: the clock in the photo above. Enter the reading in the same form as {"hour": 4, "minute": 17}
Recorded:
{"hour": 1, "minute": 42}
